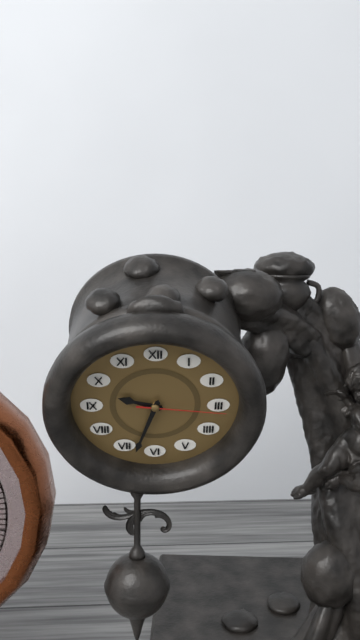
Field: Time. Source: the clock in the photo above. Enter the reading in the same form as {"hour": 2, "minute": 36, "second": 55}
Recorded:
{"hour": 9, "minute": 33, "second": 16}
